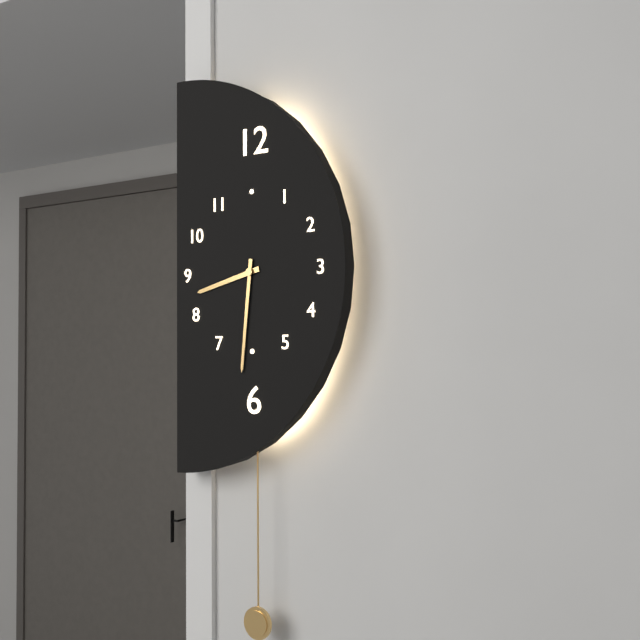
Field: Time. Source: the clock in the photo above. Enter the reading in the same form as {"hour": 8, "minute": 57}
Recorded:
{"hour": 8, "minute": 31}
